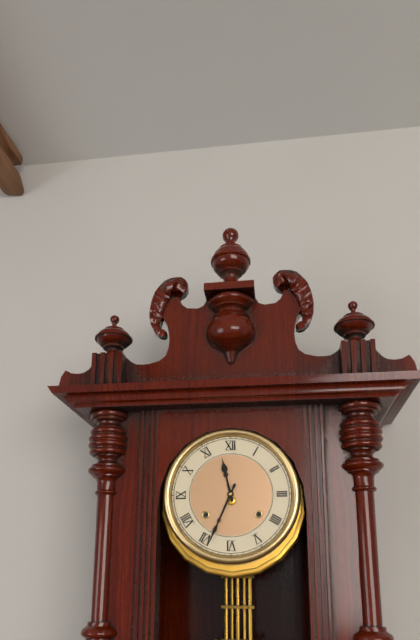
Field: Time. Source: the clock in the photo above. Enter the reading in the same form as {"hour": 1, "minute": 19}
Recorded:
{"hour": 11, "minute": 34}
